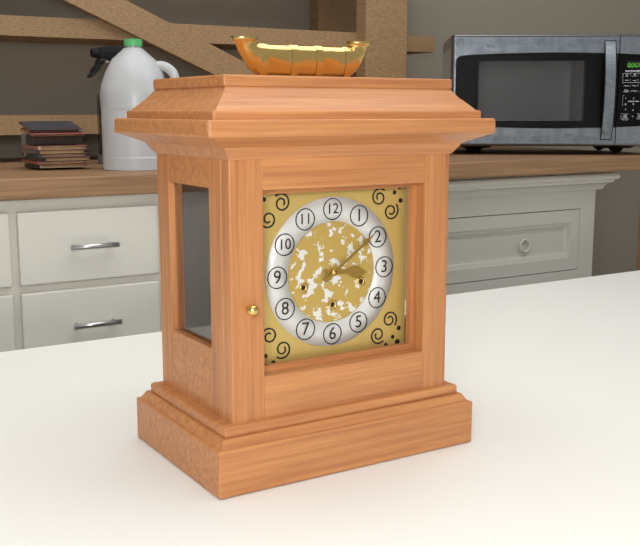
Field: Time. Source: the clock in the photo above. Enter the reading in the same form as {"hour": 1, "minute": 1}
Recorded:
{"hour": 3, "minute": 9}
